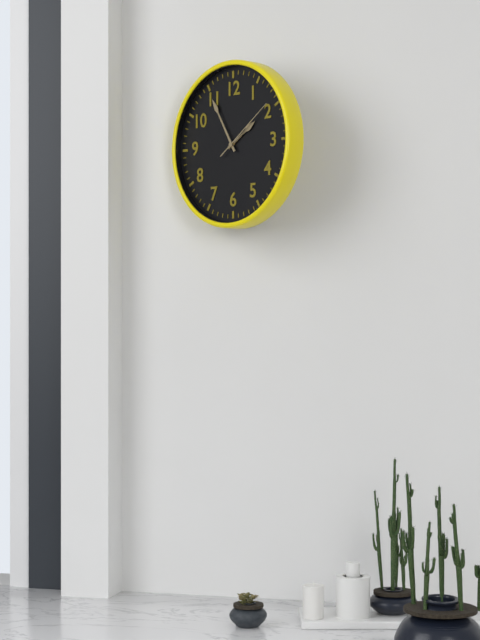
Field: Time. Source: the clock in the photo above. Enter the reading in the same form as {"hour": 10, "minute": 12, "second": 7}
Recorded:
{"hour": 1, "minute": 55, "second": 9}
